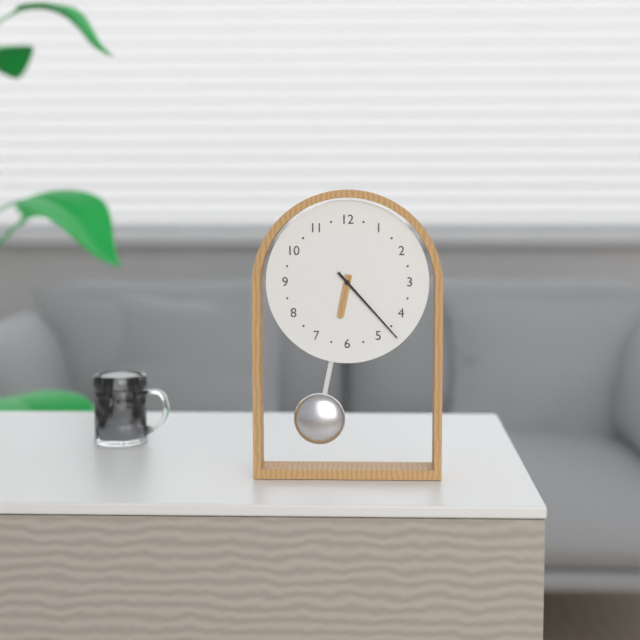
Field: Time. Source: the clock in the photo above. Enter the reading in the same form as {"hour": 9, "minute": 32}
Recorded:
{"hour": 6, "minute": 23}
